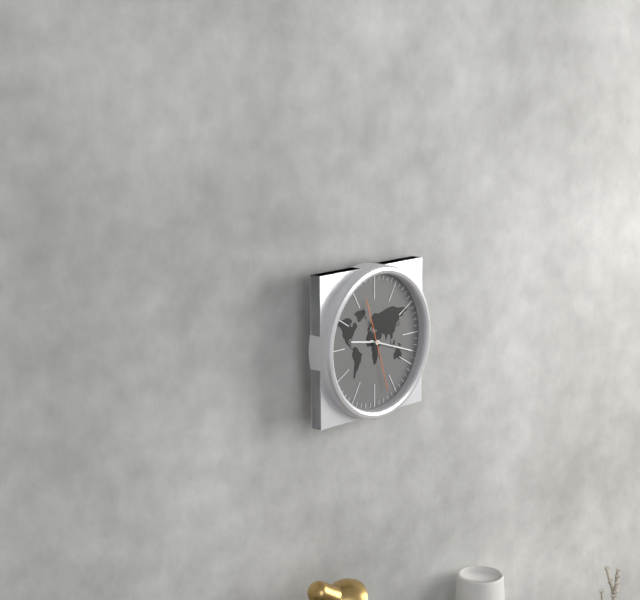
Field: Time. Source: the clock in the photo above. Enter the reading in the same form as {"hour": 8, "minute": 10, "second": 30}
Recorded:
{"hour": 9, "minute": 18, "second": 27}
